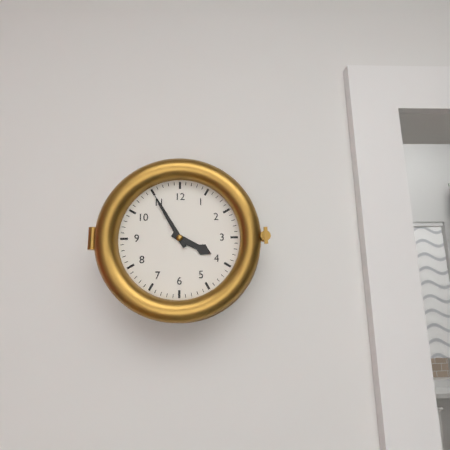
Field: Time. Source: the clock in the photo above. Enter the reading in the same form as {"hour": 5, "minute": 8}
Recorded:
{"hour": 3, "minute": 55}
